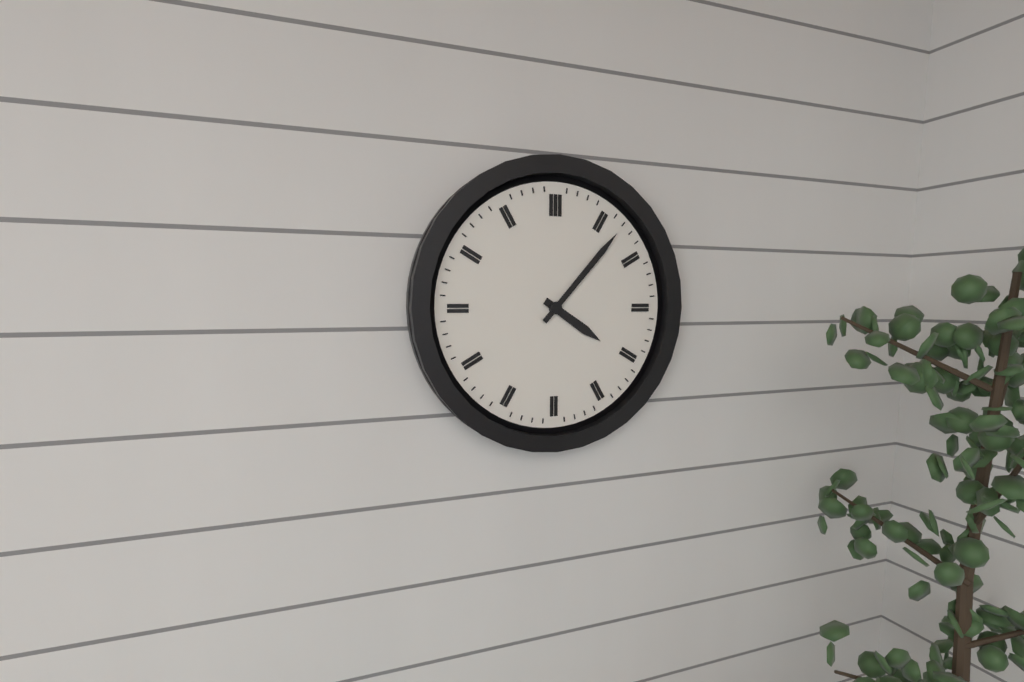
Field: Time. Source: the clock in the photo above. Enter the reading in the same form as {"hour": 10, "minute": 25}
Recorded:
{"hour": 4, "minute": 7}
